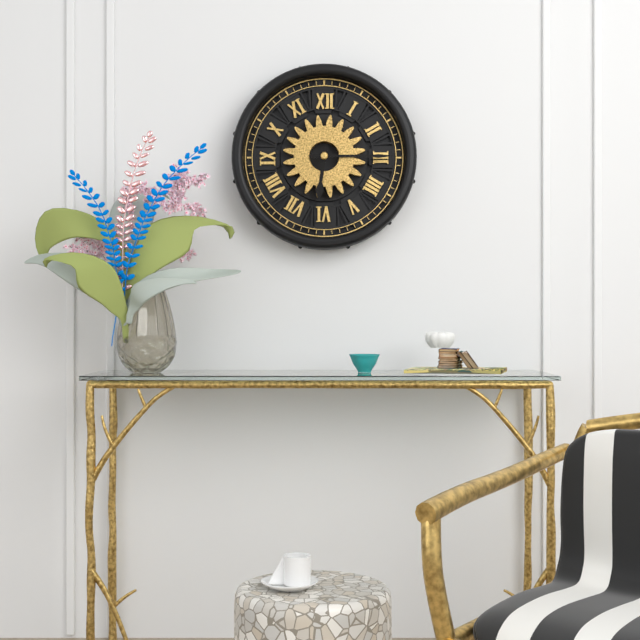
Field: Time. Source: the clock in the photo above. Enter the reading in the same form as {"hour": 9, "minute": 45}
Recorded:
{"hour": 6, "minute": 15}
